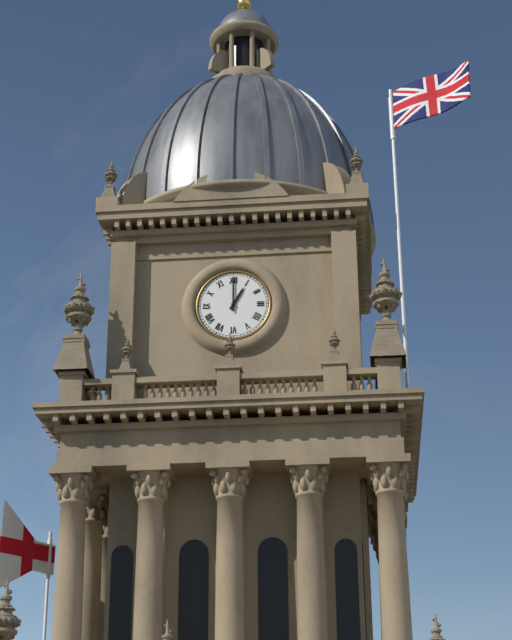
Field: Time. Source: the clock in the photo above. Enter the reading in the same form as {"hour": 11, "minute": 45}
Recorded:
{"hour": 1, "minute": 0}
